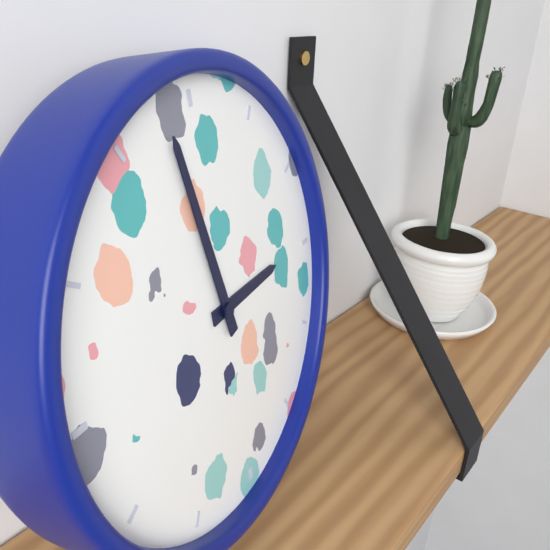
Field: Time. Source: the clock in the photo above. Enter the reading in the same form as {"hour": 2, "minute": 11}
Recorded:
{"hour": 2, "minute": 58}
